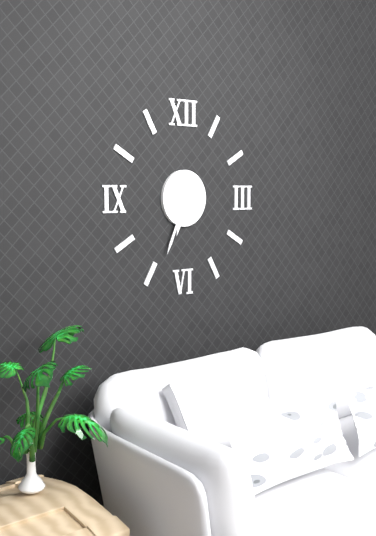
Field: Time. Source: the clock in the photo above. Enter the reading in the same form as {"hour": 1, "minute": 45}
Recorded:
{"hour": 6, "minute": 34}
